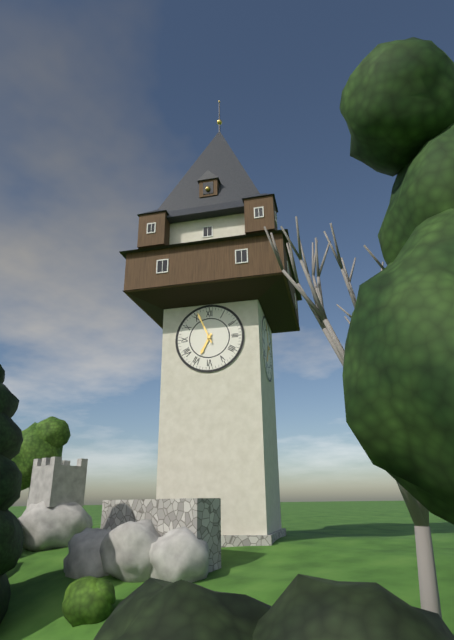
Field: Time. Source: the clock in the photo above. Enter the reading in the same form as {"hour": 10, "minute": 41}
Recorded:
{"hour": 6, "minute": 56}
